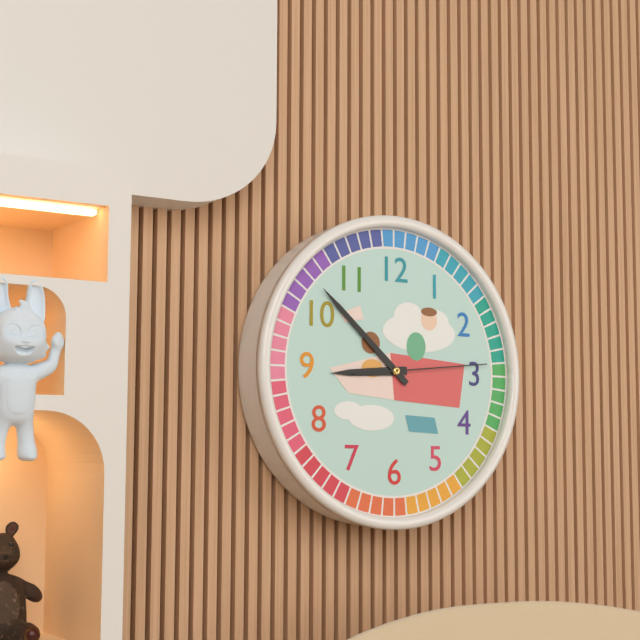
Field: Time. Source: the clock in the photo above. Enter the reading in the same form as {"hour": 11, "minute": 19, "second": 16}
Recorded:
{"hour": 8, "minute": 52, "second": 14}
